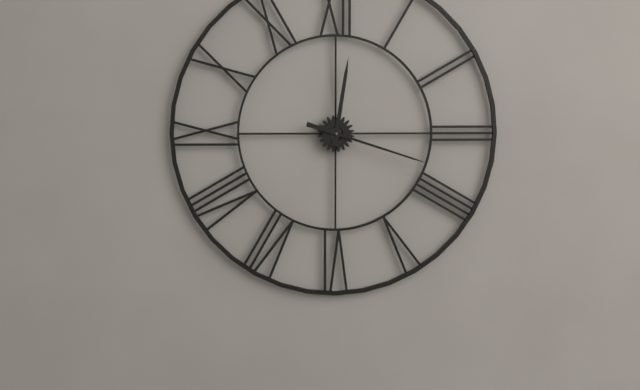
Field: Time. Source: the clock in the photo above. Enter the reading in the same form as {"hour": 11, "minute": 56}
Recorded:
{"hour": 12, "minute": 18}
